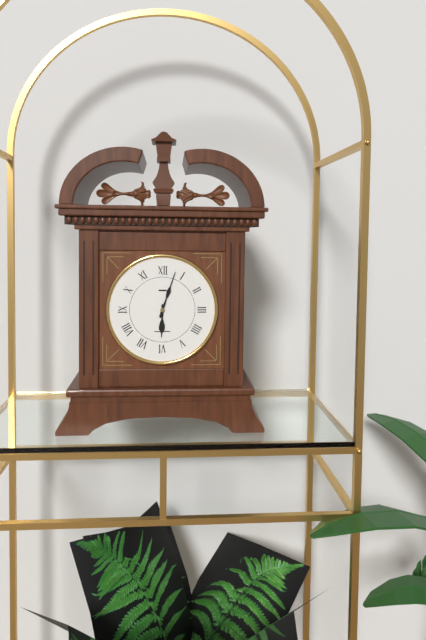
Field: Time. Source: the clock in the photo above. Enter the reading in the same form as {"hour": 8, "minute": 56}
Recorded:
{"hour": 6, "minute": 3}
